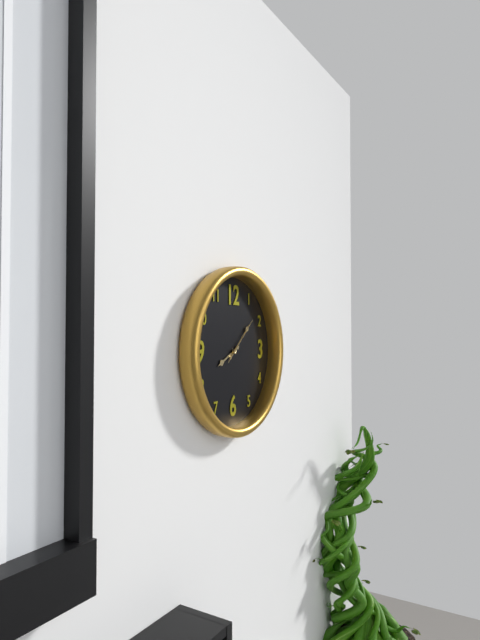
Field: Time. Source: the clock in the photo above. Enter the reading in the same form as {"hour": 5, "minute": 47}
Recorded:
{"hour": 8, "minute": 8}
